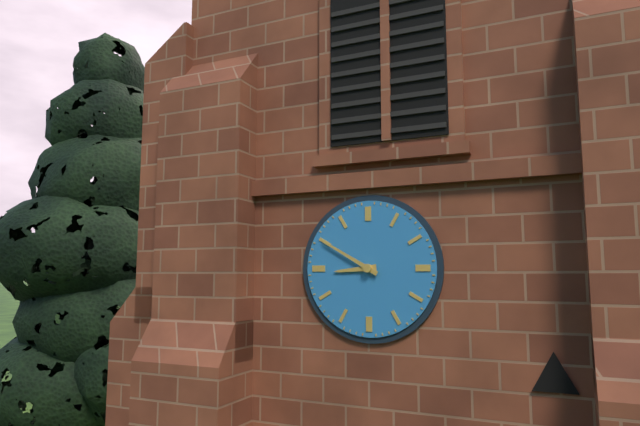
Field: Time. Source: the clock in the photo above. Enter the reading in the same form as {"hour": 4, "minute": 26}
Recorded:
{"hour": 8, "minute": 50}
